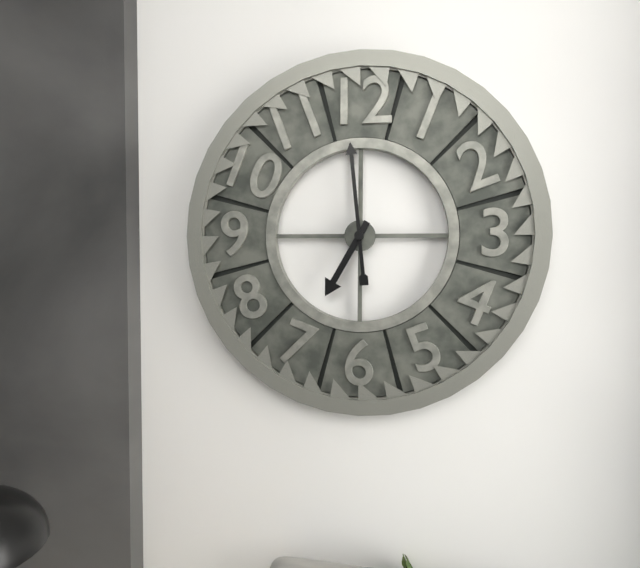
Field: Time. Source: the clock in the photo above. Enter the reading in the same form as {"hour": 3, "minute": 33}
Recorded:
{"hour": 6, "minute": 59}
